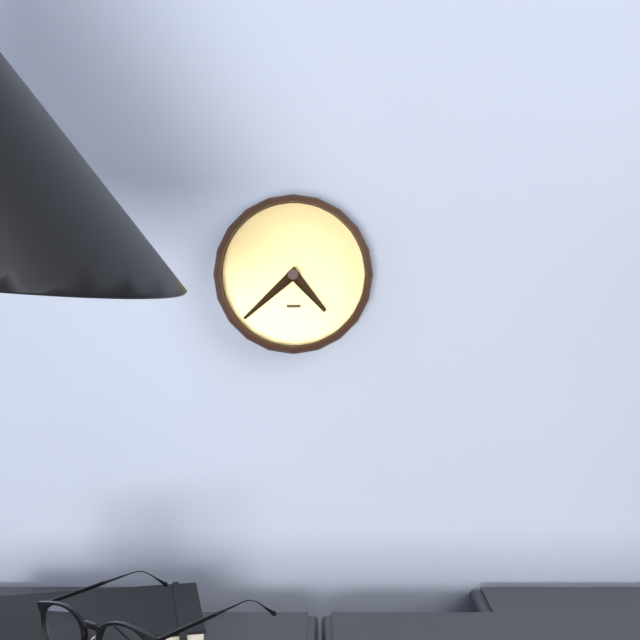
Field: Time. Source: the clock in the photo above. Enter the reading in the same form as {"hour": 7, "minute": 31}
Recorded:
{"hour": 4, "minute": 38}
